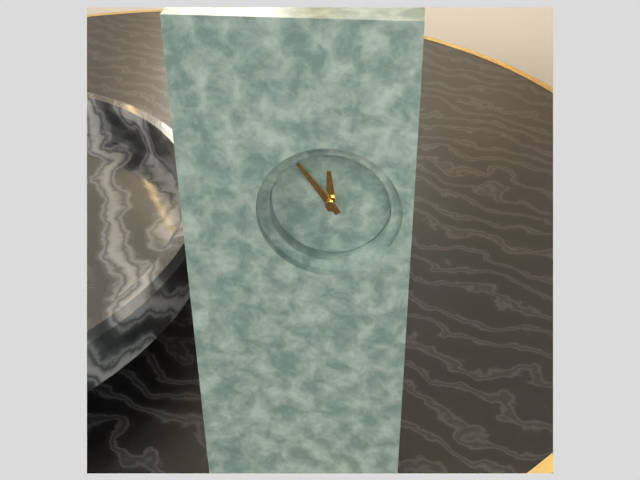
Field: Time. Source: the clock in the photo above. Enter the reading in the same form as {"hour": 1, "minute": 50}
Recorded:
{"hour": 11, "minute": 54}
